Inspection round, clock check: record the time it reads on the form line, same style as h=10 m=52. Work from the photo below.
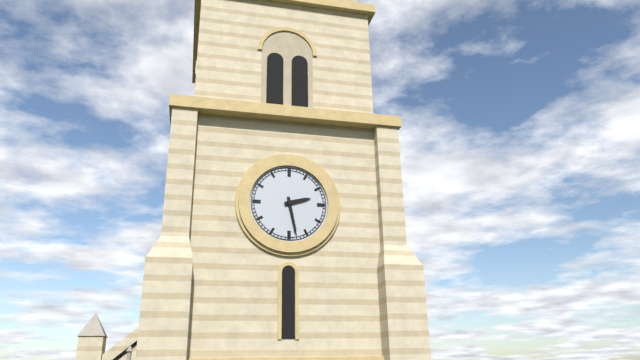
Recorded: h=2 m=28
